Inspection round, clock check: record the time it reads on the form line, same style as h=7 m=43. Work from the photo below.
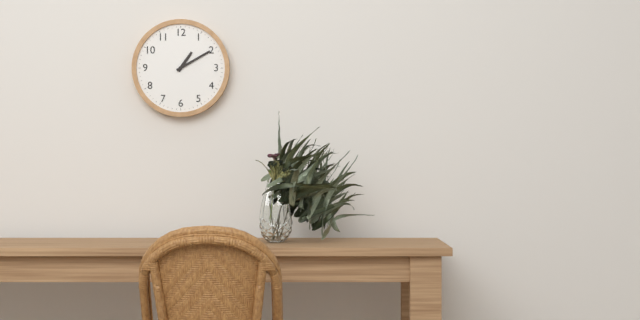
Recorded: h=1 m=10
